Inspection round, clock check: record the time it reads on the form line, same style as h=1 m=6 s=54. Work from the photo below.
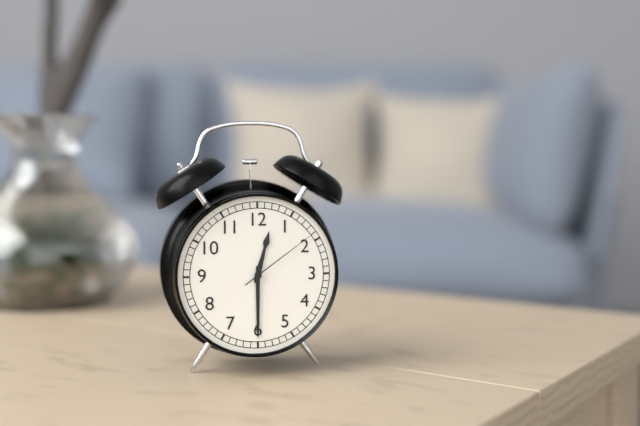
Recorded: h=12 m=30 s=9
